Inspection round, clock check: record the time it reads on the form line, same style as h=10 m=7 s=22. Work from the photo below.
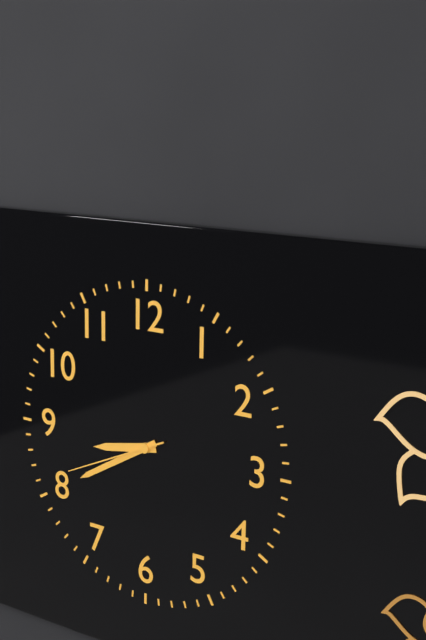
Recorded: h=8 m=40 s=41
